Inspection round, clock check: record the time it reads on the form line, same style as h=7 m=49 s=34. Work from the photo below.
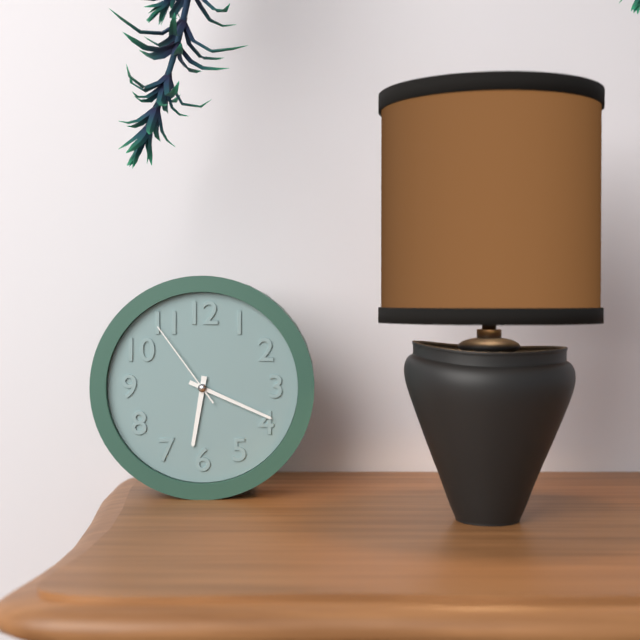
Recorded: h=6 m=19 s=54
